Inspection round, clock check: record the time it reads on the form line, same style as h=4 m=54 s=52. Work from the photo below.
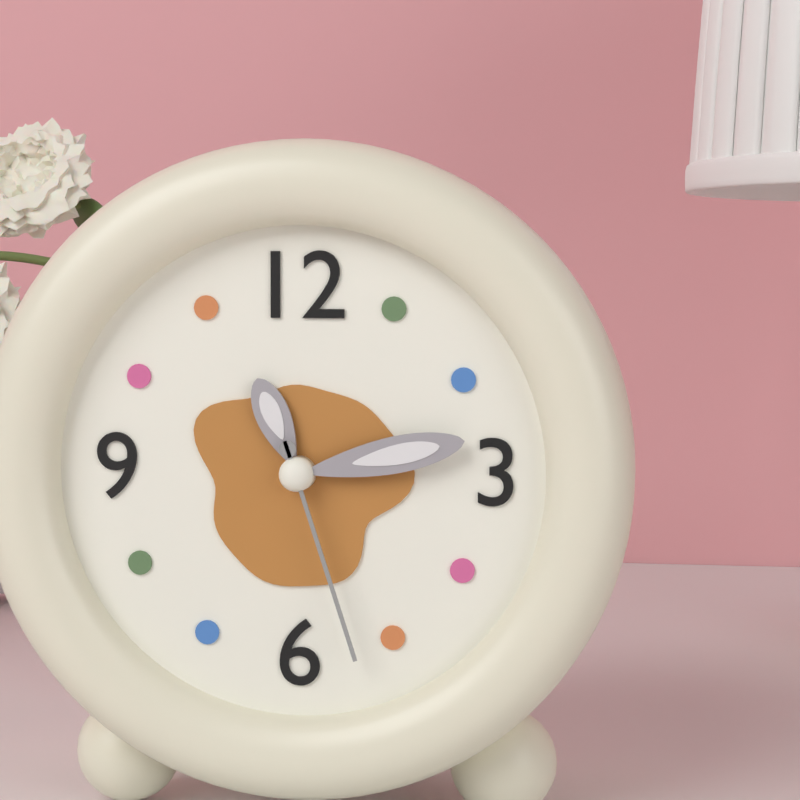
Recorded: h=11 m=13 s=27
